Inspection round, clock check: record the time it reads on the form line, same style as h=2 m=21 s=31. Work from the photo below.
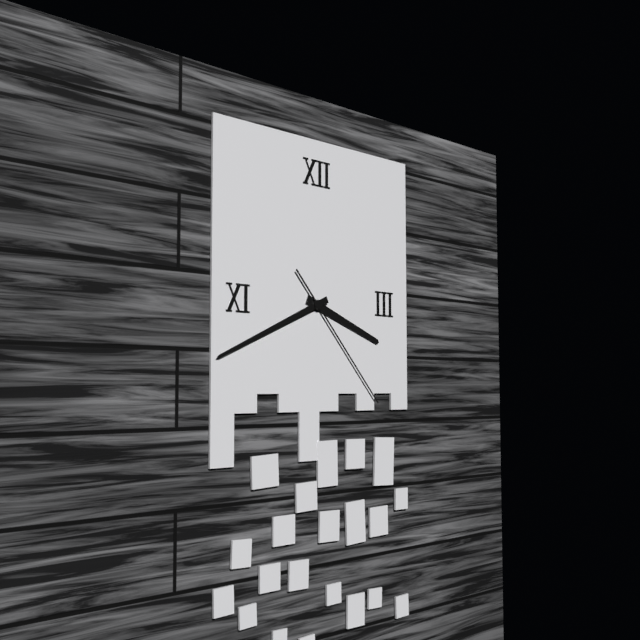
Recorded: h=3 m=41 s=23
